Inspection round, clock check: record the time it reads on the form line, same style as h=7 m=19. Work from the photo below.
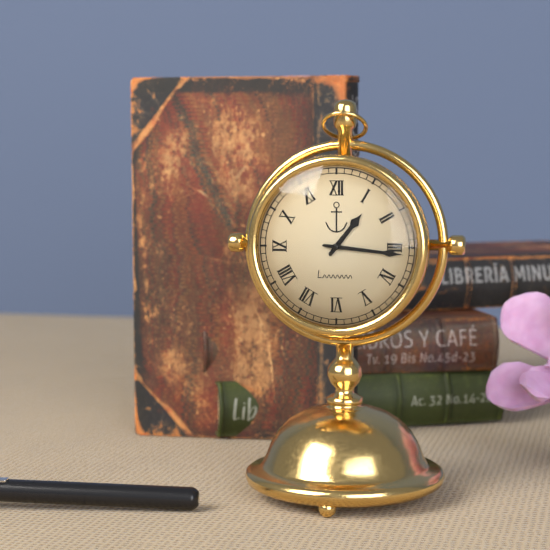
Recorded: h=1 m=16
